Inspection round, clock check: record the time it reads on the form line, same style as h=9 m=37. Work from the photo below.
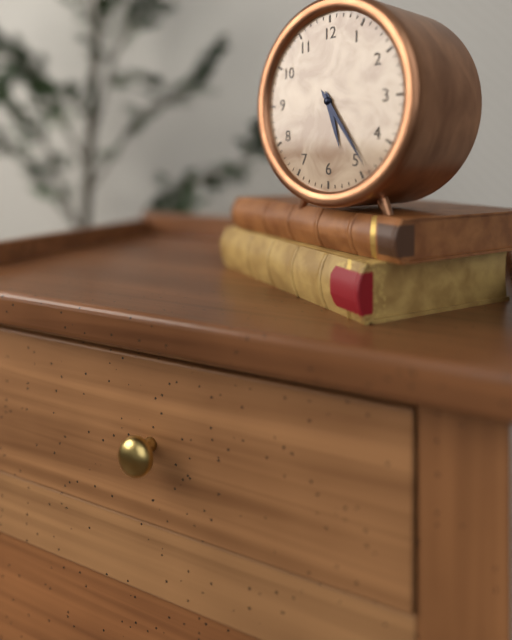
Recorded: h=5 m=24
